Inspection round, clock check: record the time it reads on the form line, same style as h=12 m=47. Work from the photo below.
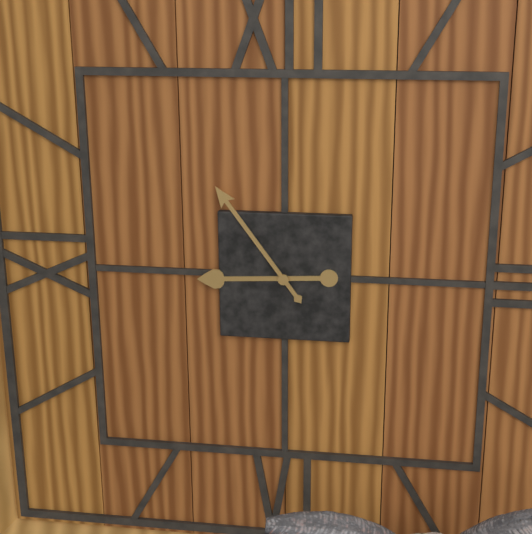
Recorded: h=8 m=54
